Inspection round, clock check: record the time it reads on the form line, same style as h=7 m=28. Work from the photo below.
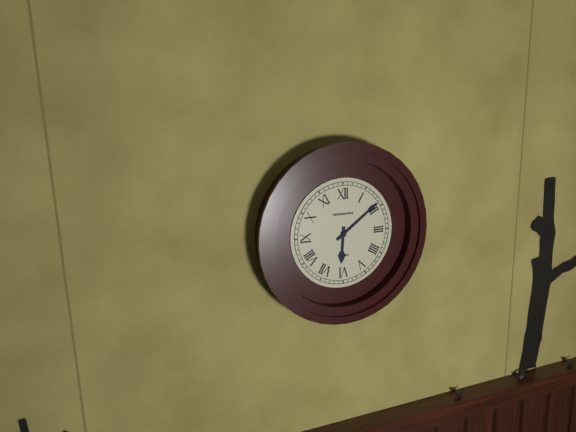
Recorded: h=6 m=9
